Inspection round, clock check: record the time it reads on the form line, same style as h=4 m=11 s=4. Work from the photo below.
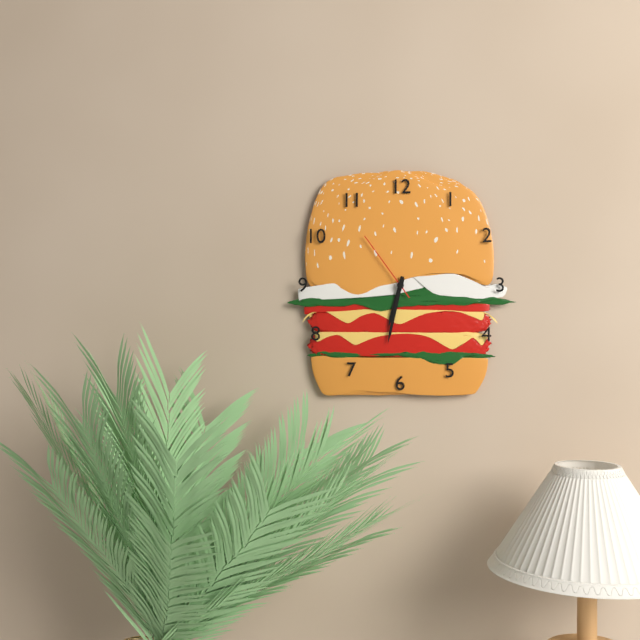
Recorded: h=6 m=32 s=54
